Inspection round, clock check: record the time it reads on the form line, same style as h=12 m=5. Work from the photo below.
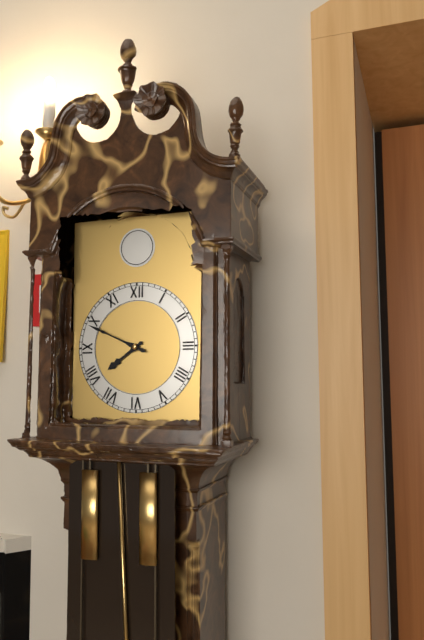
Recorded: h=7 m=49
